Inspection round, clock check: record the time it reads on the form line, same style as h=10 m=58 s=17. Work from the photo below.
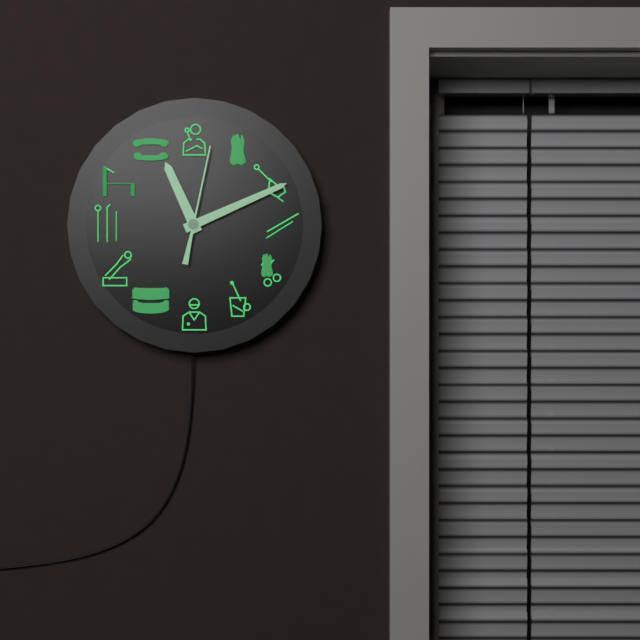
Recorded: h=11 m=11 s=2
